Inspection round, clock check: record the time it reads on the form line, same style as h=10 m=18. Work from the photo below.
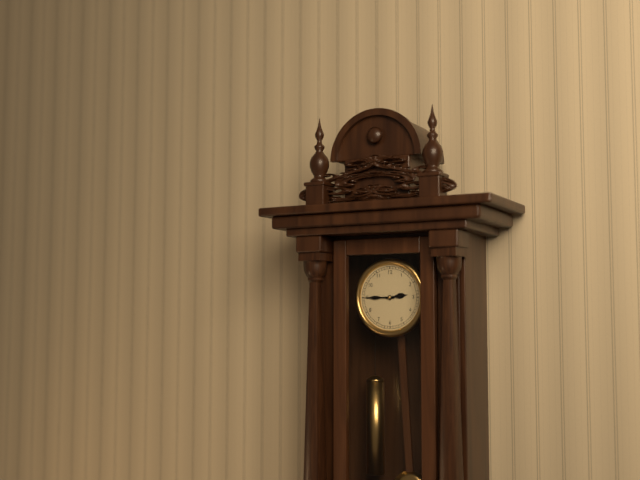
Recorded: h=2 m=45
